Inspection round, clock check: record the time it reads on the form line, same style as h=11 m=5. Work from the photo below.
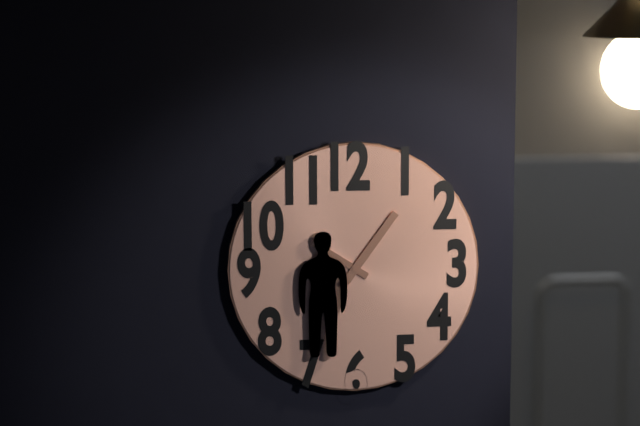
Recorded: h=10 m=6
